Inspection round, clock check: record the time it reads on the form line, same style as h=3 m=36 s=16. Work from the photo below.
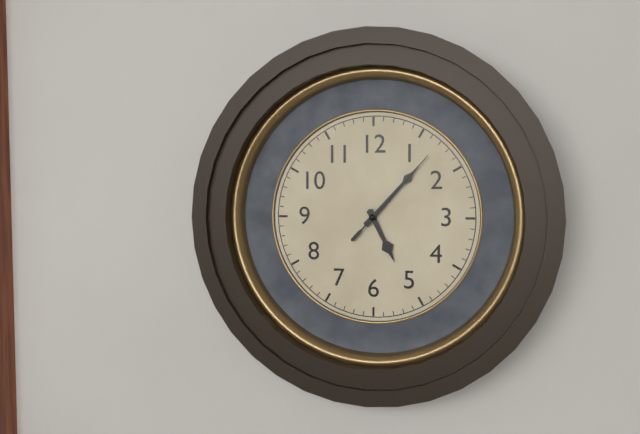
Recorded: h=5 m=7 s=7
